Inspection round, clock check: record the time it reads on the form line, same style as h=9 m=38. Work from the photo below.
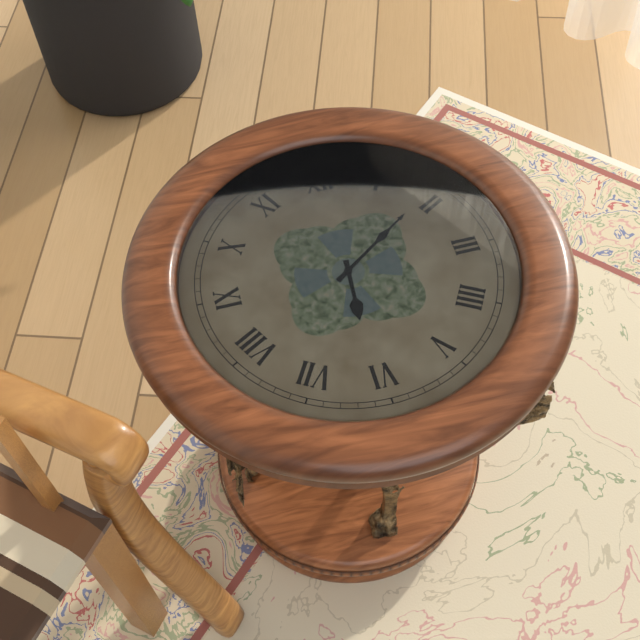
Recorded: h=6 m=9
